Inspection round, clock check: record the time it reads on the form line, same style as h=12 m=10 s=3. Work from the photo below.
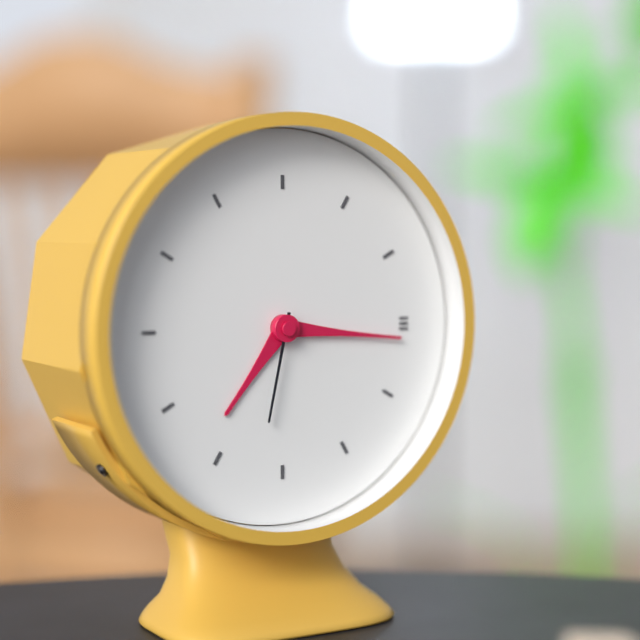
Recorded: h=7 m=16 s=32
